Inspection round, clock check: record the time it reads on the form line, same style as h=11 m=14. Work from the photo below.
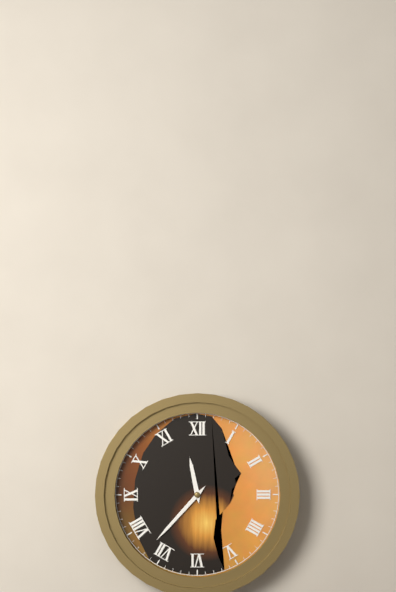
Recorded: h=11 m=37
